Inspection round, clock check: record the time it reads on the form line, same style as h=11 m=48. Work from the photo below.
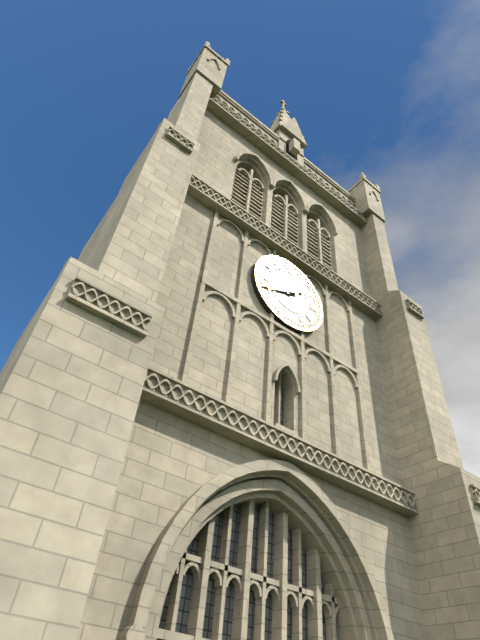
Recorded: h=1 m=41
